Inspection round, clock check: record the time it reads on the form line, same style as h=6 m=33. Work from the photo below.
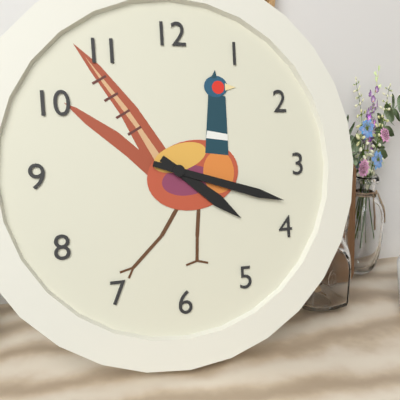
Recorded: h=4 m=18
